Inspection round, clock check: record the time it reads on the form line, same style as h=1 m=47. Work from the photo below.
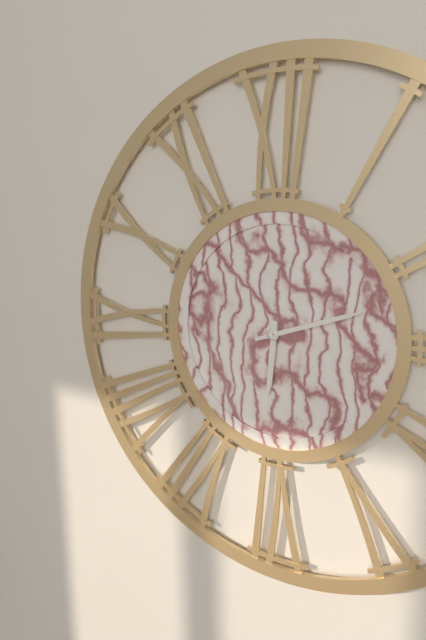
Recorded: h=6 m=12
